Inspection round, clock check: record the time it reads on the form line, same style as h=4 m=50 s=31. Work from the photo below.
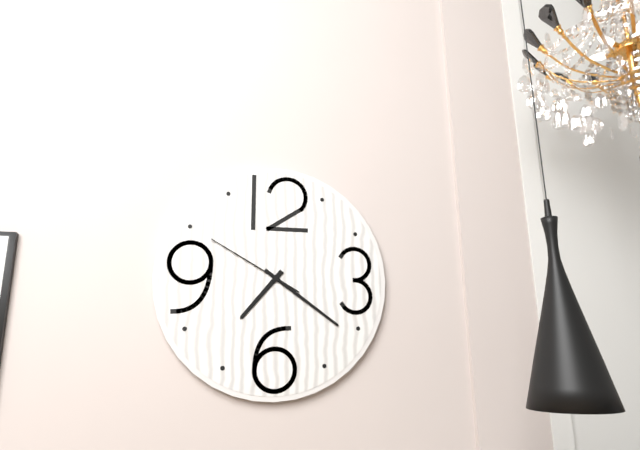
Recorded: h=7 m=21 s=50
